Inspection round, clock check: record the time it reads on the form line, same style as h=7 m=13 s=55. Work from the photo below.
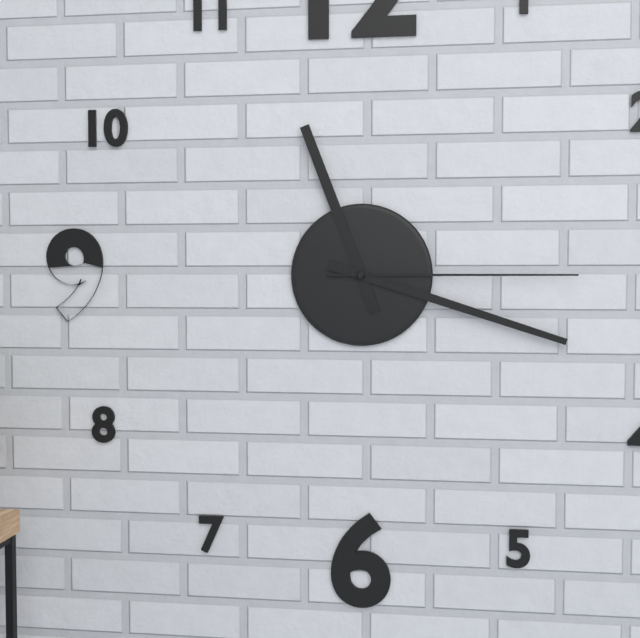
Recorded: h=11 m=18 s=15
